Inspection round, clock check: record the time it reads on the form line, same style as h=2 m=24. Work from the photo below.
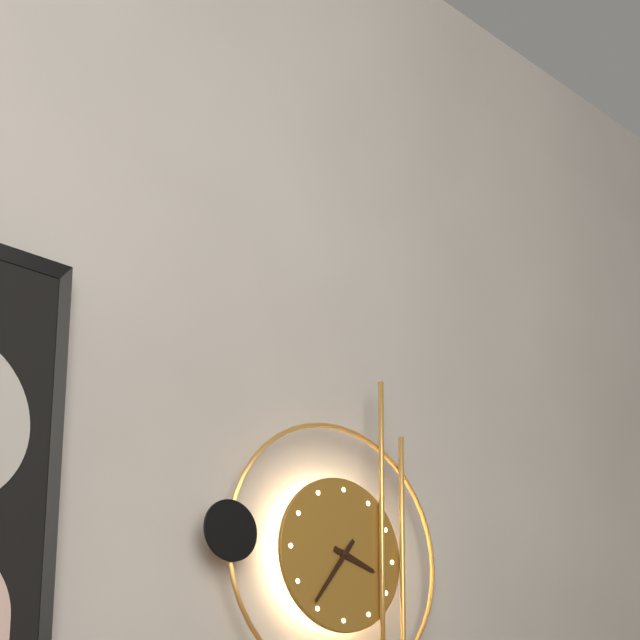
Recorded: h=3 m=36
